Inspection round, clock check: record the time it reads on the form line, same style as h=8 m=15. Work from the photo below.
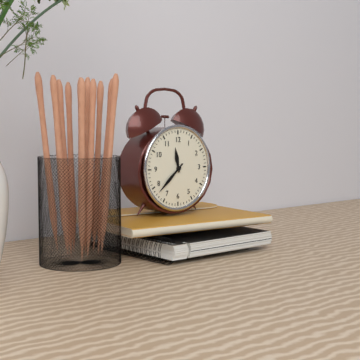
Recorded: h=11 m=38
